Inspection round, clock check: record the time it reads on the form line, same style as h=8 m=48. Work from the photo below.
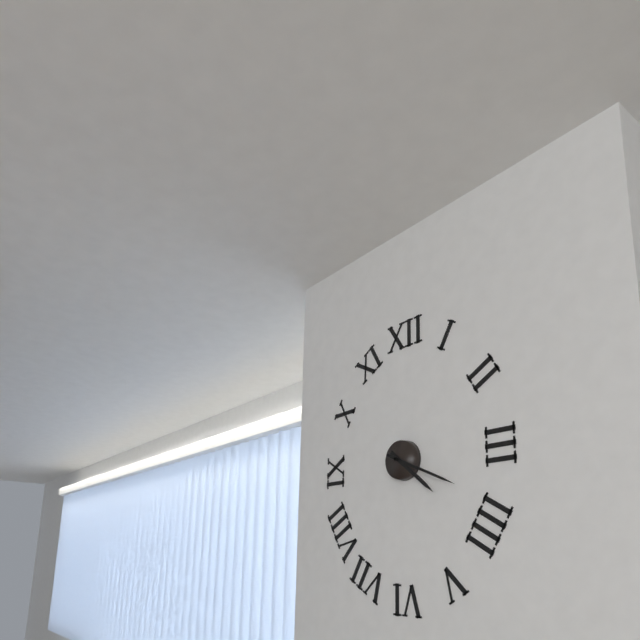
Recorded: h=4 m=19
